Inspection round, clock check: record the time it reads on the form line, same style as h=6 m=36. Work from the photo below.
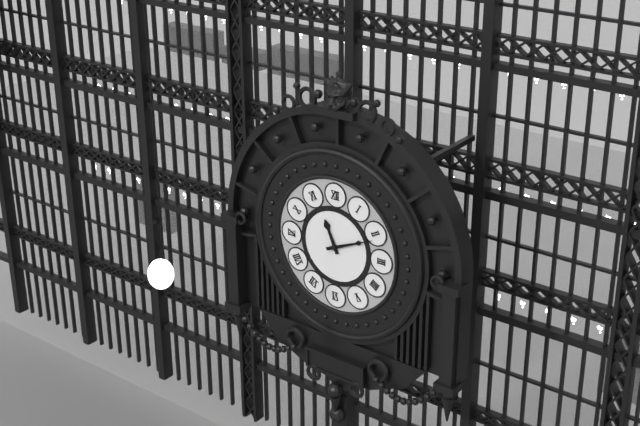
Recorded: h=11 m=11
